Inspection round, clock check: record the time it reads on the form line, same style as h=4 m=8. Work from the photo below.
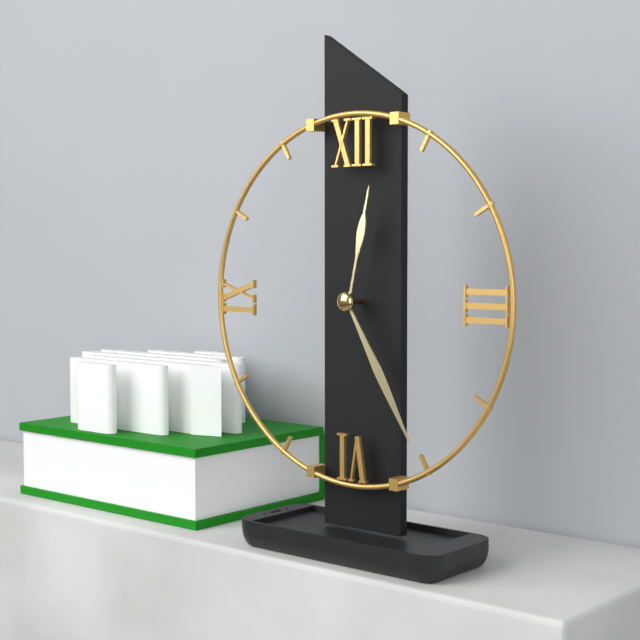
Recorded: h=12 m=25
